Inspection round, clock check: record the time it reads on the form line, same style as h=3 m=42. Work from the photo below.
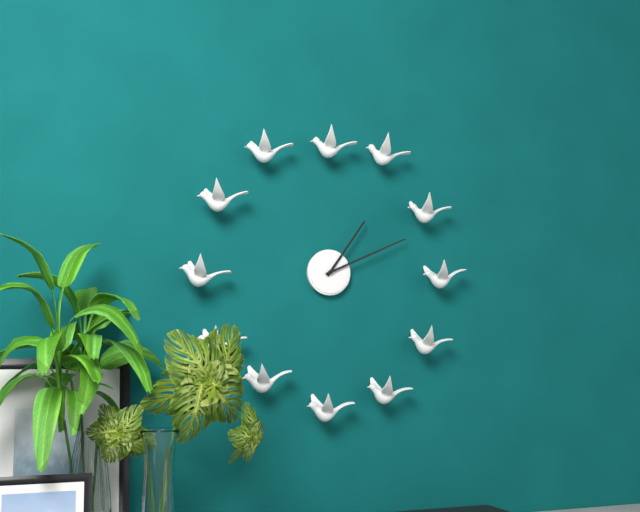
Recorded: h=1 m=11
